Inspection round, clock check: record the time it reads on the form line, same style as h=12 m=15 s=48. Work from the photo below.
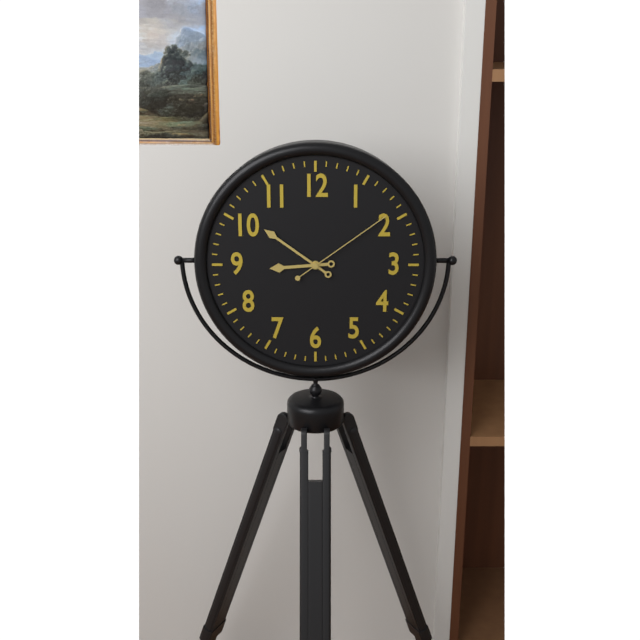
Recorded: h=8 m=51 s=9
